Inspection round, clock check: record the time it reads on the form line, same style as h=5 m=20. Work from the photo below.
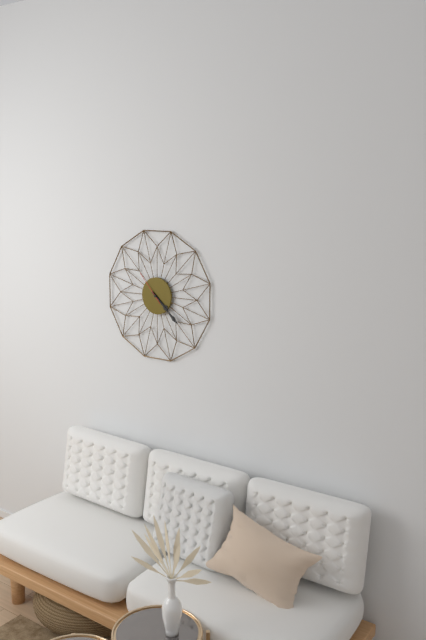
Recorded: h=4 m=22
